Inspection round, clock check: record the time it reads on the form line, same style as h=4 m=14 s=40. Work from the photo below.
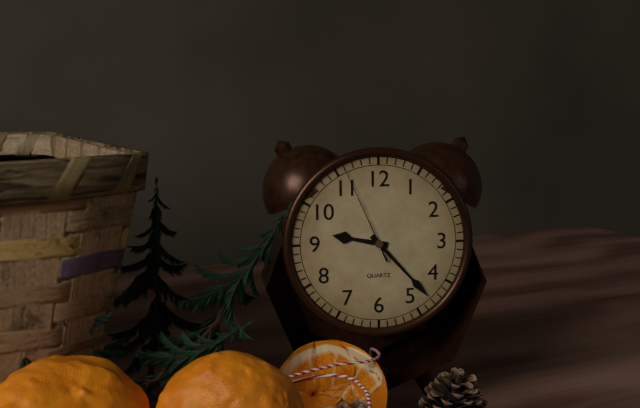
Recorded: h=9 m=23 s=56
